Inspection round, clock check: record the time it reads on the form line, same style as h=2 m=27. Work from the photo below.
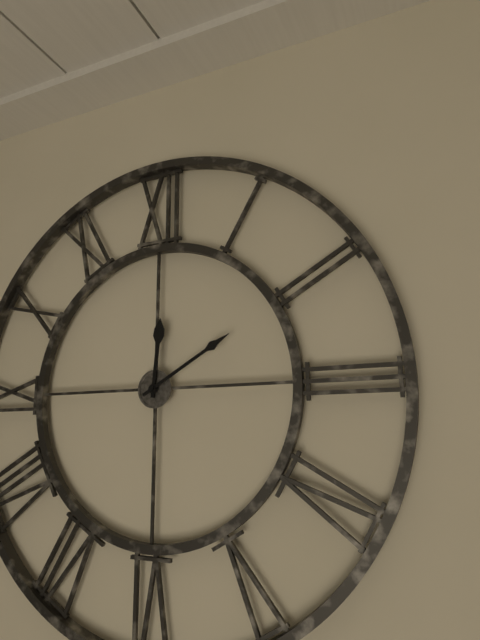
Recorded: h=12 m=10
